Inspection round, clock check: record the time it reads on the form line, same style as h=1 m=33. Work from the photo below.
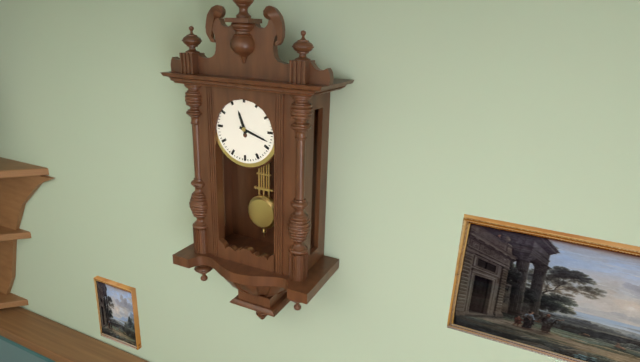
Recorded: h=11 m=18
